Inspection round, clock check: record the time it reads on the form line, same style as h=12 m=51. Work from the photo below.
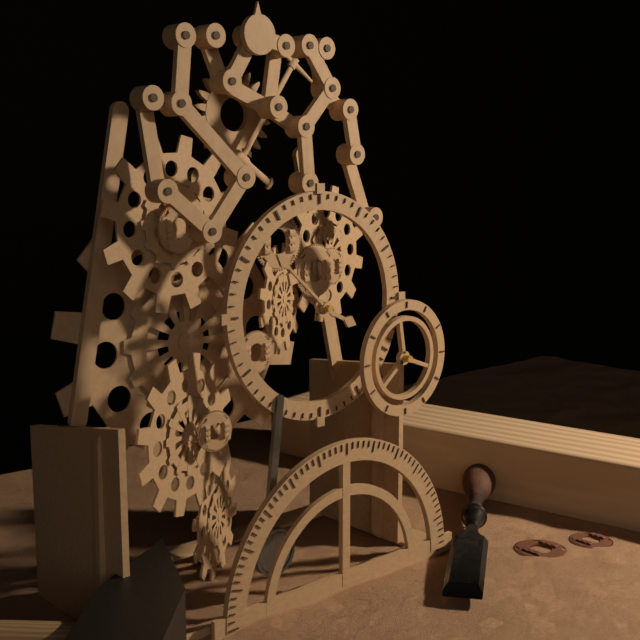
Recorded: h=3 m=52
